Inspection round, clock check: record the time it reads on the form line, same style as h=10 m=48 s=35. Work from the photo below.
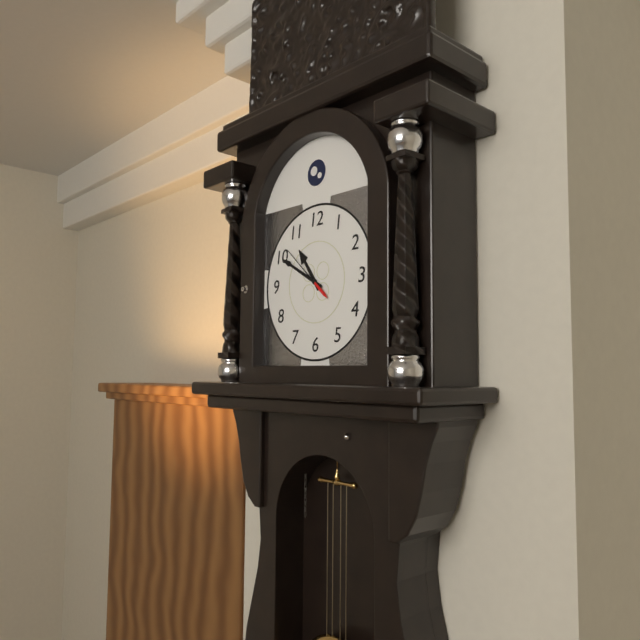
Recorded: h=10 m=50 s=52
